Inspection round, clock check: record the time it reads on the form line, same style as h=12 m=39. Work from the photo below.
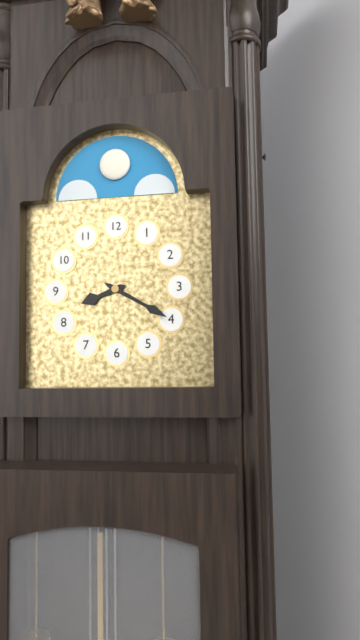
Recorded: h=8 m=20
